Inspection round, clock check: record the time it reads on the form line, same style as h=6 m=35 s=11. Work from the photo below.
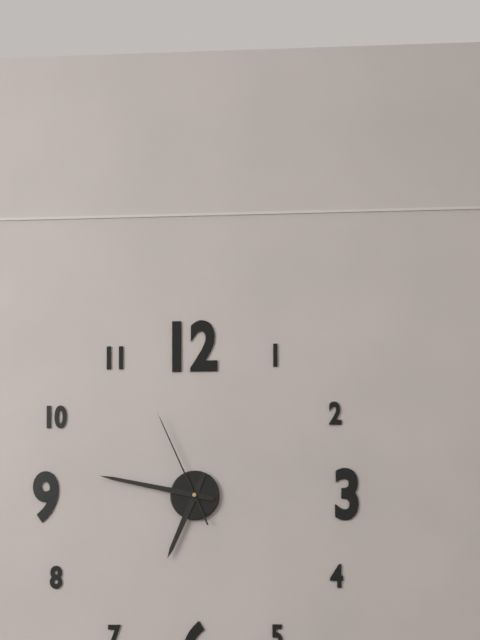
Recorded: h=6 m=47 s=56
